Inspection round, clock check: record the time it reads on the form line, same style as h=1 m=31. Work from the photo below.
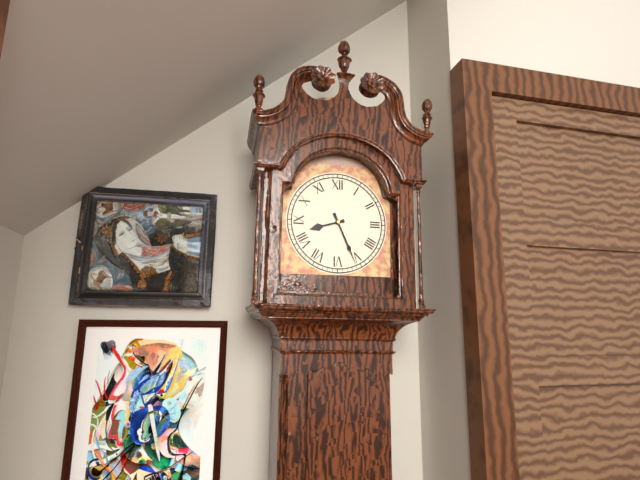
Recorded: h=8 m=26
